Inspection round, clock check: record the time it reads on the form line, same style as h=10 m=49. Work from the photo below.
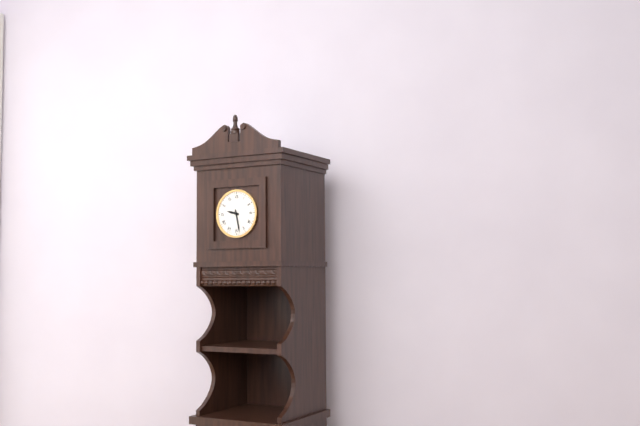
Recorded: h=9 m=28
